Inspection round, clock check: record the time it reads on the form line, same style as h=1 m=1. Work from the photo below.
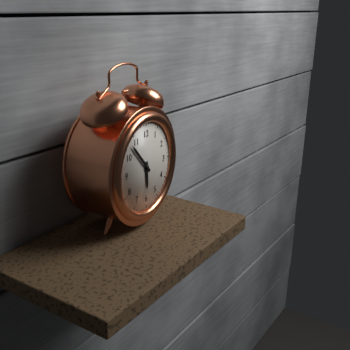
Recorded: h=5 m=53
